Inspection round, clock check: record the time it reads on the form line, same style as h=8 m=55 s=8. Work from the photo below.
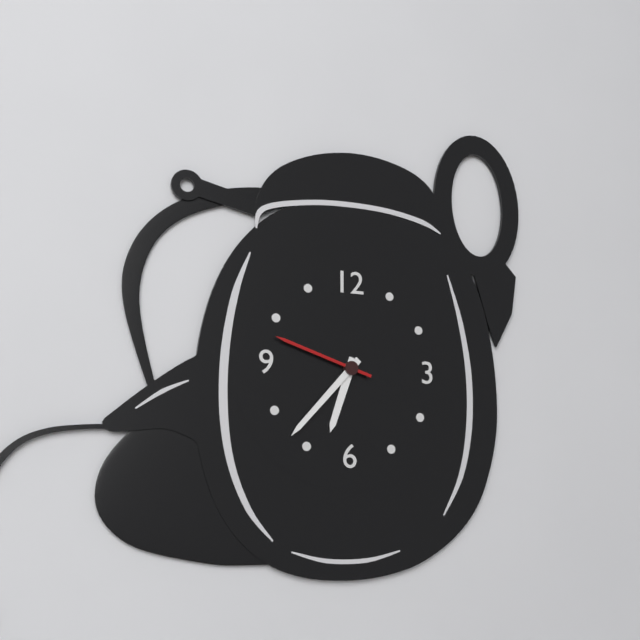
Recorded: h=6 m=37 s=48
